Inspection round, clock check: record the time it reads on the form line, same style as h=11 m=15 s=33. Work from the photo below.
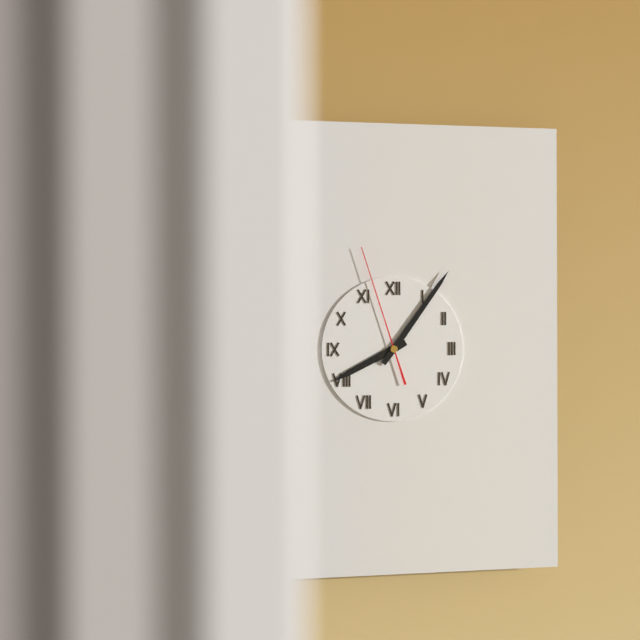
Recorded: h=8 m=6 s=57
